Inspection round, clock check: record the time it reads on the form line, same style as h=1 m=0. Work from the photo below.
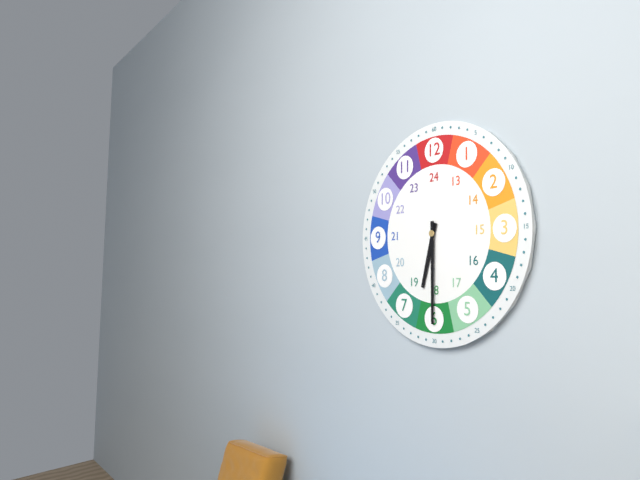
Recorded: h=6 m=30
